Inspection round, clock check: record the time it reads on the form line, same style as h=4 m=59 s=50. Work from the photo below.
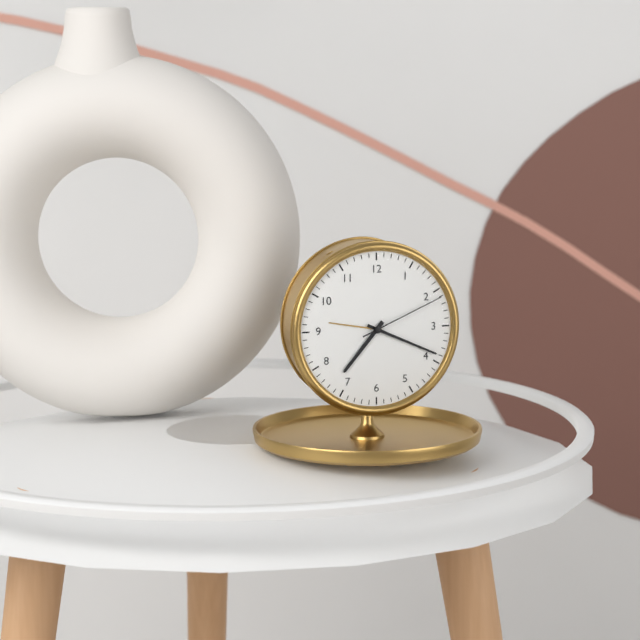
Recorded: h=7 m=19 s=11
